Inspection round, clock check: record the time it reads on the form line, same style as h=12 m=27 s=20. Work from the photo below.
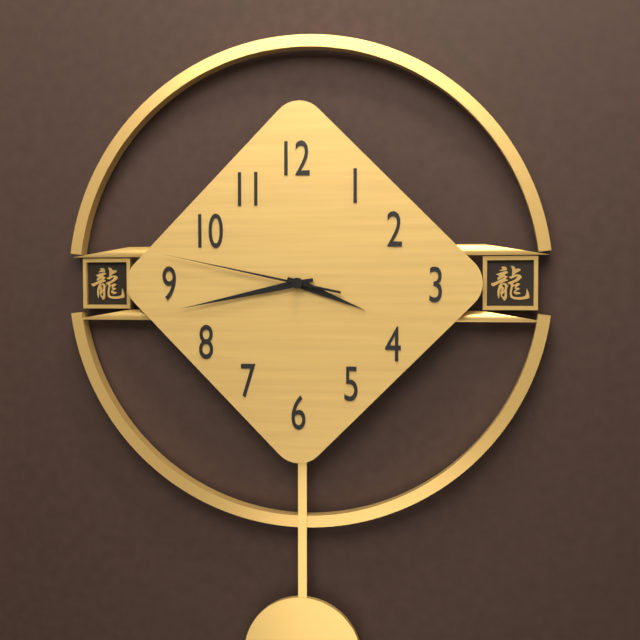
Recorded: h=3 m=43 s=47
